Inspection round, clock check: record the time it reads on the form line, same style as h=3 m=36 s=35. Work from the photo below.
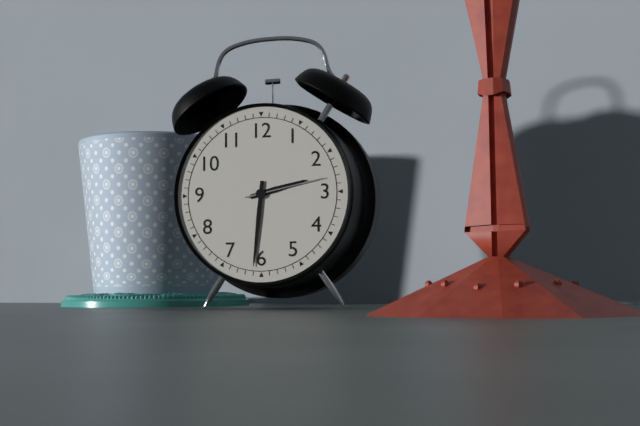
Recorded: h=2 m=31 s=13
